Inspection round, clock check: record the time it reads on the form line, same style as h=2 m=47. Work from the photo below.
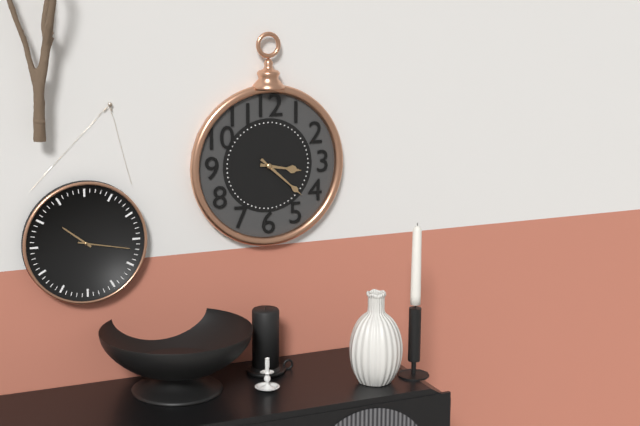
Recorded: h=3 m=22
